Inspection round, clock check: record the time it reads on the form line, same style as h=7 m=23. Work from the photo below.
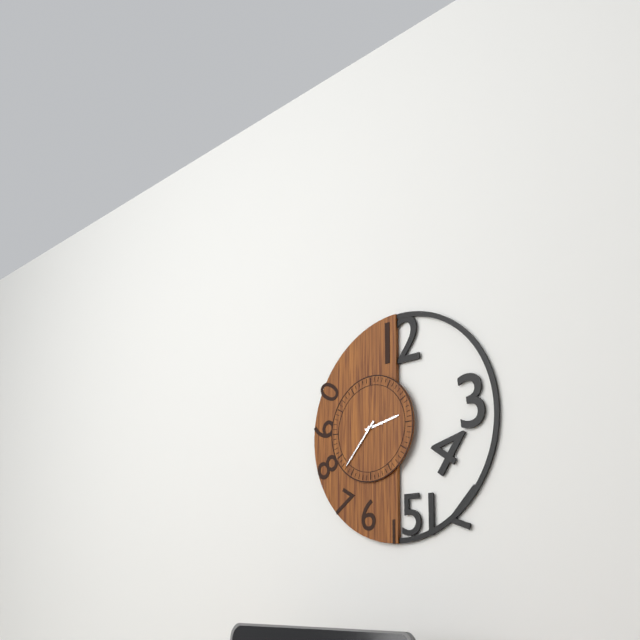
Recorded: h=2 m=37
